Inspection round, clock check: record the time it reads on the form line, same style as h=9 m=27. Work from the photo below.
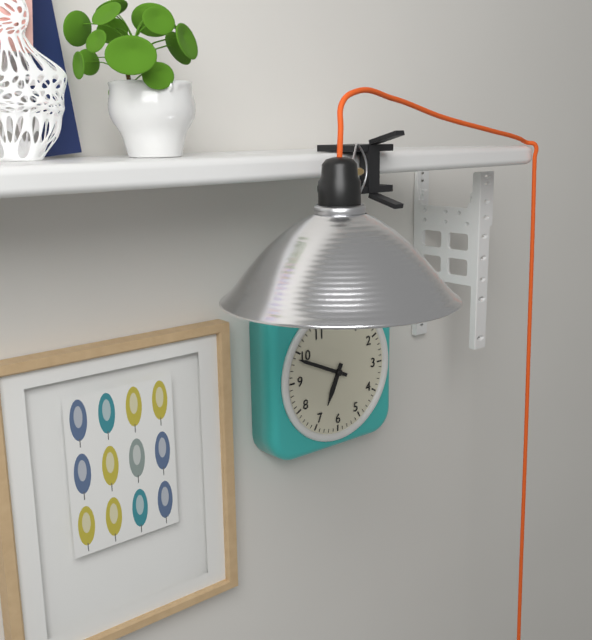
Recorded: h=6 m=49
